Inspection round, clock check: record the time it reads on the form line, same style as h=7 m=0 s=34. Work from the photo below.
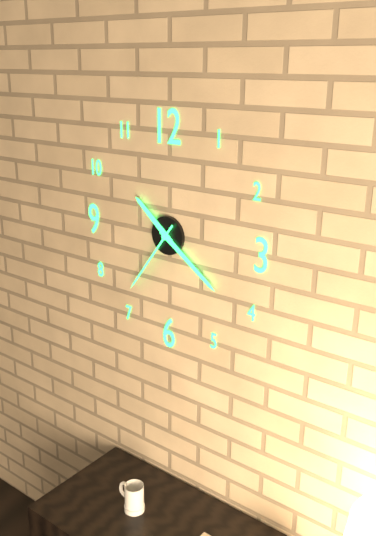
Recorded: h=10 m=21 s=36
